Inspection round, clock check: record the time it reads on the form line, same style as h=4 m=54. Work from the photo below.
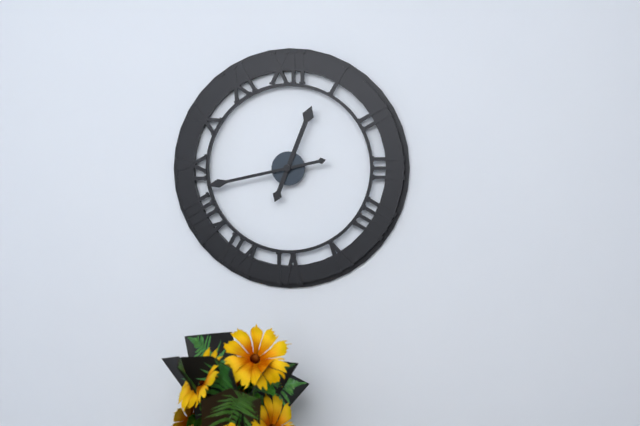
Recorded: h=12 m=43
